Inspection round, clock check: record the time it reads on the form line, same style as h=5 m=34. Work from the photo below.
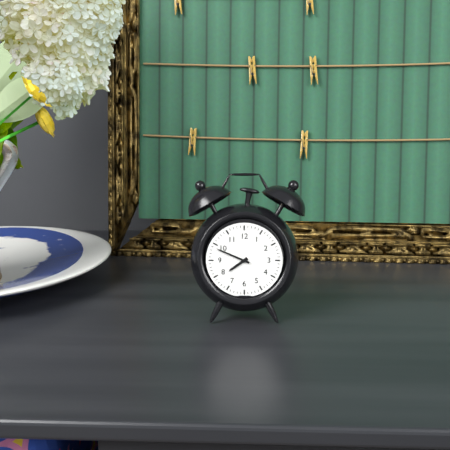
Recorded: h=7 m=49
